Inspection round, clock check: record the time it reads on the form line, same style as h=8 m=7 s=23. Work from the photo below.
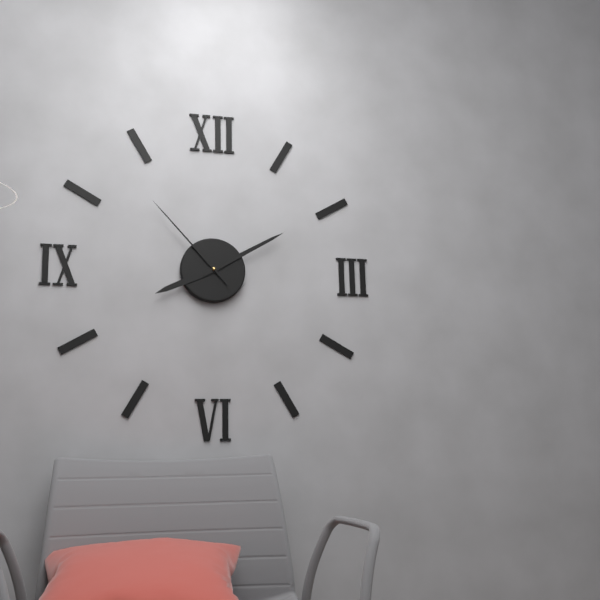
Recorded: h=8 m=10 s=53
